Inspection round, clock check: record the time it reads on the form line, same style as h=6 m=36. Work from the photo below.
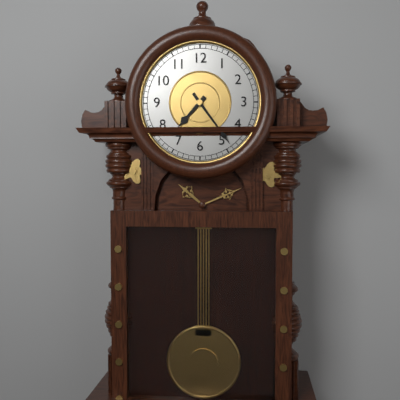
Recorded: h=7 m=24
